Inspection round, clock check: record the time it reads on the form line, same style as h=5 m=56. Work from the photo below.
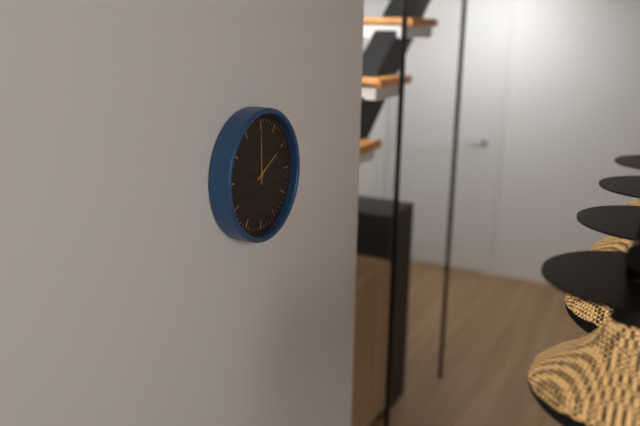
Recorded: h=2 m=0
